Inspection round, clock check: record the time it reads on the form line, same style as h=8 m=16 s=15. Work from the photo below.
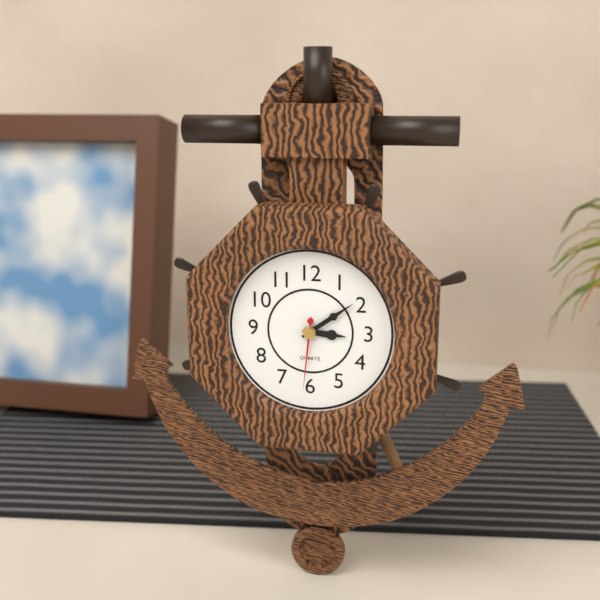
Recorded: h=3 m=9 s=31
